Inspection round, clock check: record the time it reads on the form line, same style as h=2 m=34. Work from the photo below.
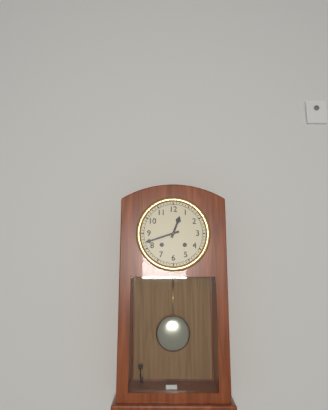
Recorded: h=12 m=42
